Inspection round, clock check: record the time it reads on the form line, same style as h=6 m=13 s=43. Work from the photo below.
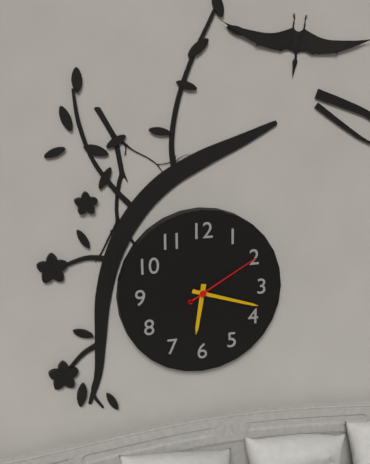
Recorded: h=6 m=18 s=10
